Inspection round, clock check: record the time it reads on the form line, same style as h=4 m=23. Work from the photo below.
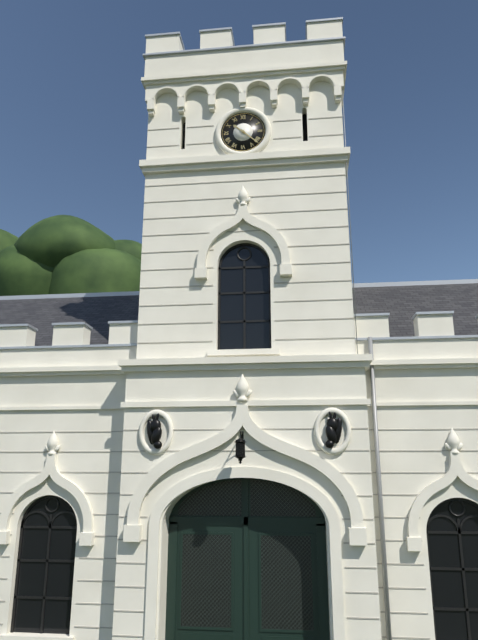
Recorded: h=10 m=22
